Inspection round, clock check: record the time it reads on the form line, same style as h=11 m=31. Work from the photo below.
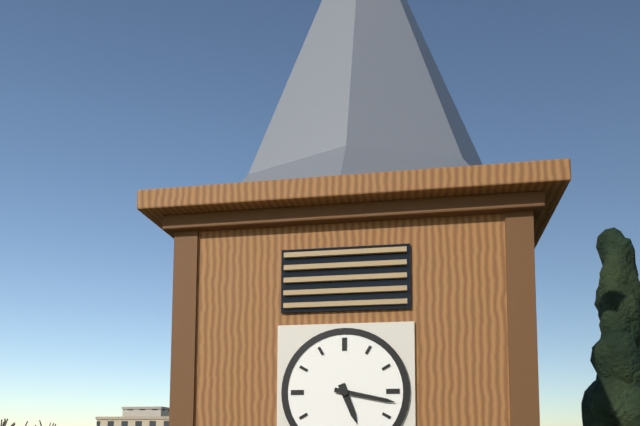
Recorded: h=5 m=17
